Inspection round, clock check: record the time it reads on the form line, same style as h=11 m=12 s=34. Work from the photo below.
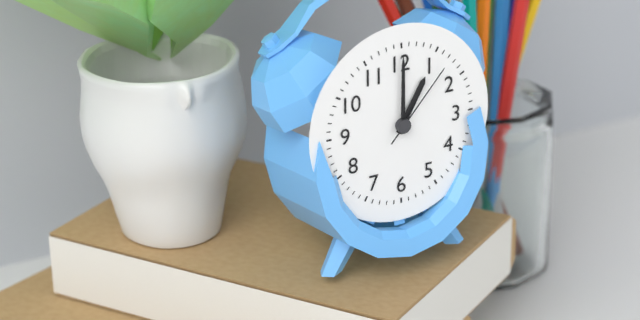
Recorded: h=1 m=0 s=7
